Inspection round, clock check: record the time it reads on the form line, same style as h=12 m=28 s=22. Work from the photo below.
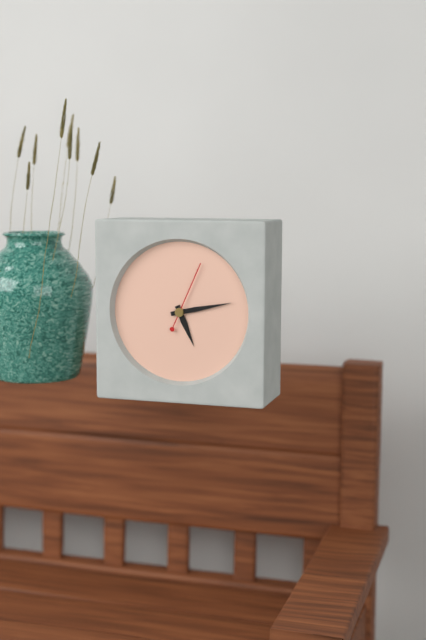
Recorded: h=5 m=13 s=4
